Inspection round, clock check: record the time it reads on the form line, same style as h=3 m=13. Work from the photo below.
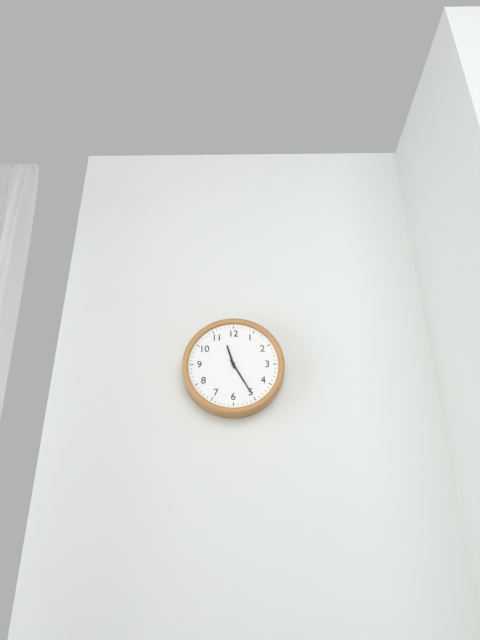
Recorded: h=11 m=25
